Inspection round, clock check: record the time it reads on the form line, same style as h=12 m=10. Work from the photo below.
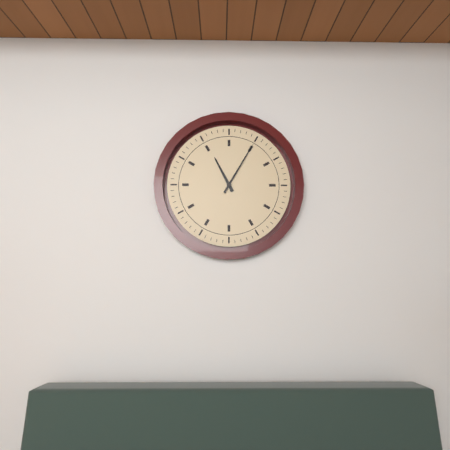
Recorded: h=11 m=5
